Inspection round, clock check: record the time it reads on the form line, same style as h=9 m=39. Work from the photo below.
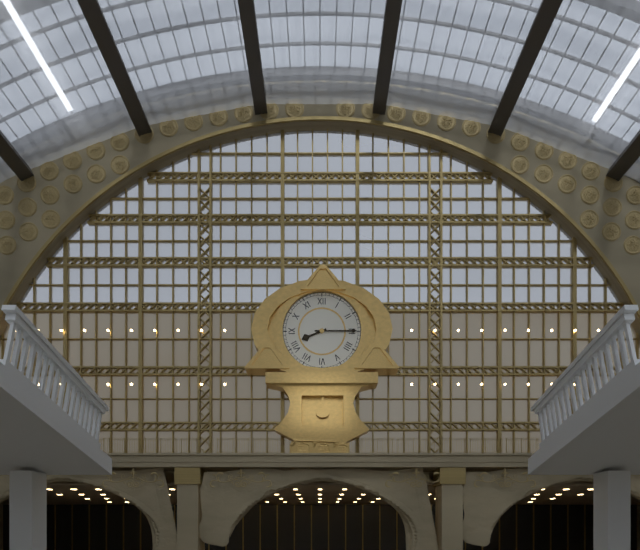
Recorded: h=8 m=15
